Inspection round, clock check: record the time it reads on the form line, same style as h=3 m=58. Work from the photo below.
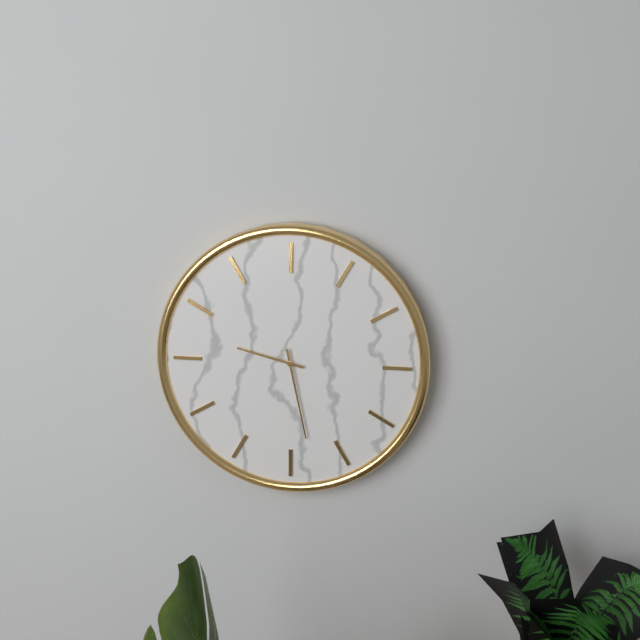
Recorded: h=9 m=28
